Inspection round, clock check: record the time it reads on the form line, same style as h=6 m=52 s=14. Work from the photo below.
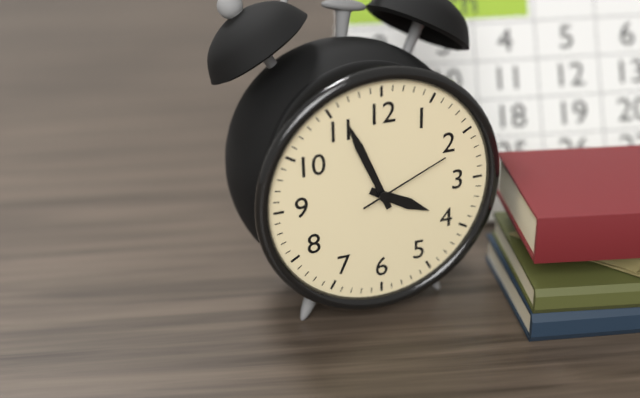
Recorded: h=3 m=56 s=11
